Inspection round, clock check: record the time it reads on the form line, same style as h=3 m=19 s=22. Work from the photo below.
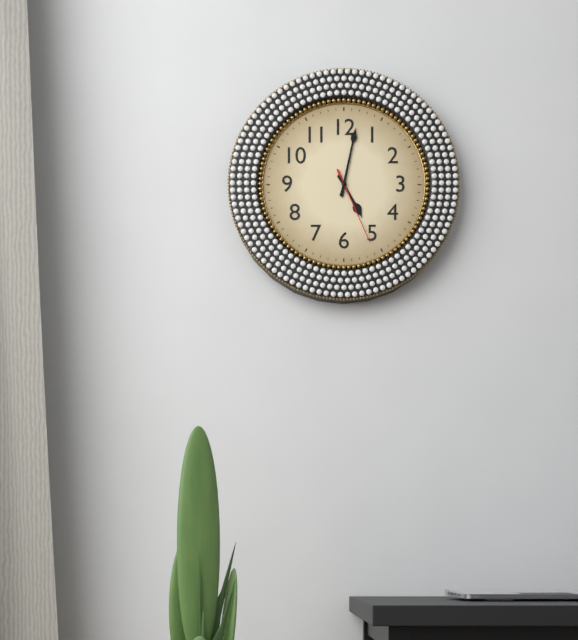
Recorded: h=5 m=2 s=26
